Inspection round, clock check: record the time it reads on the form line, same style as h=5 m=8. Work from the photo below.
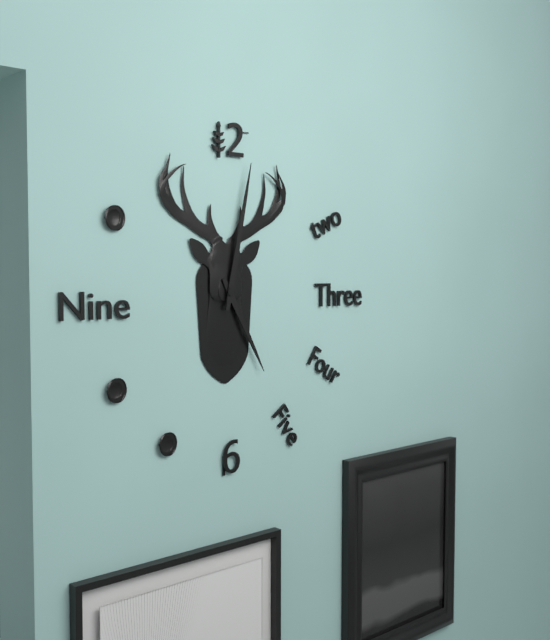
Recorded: h=5 m=2
